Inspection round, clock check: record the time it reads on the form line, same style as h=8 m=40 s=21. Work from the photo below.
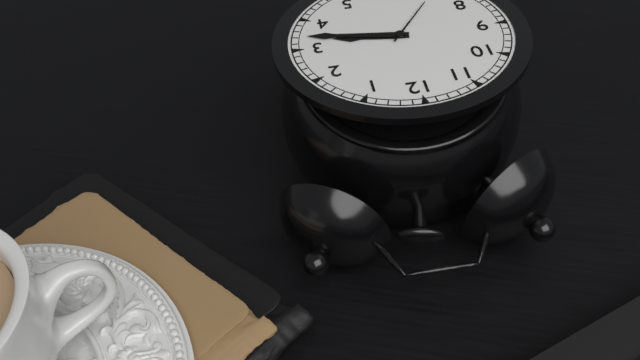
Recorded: h=3 m=17 s=36
